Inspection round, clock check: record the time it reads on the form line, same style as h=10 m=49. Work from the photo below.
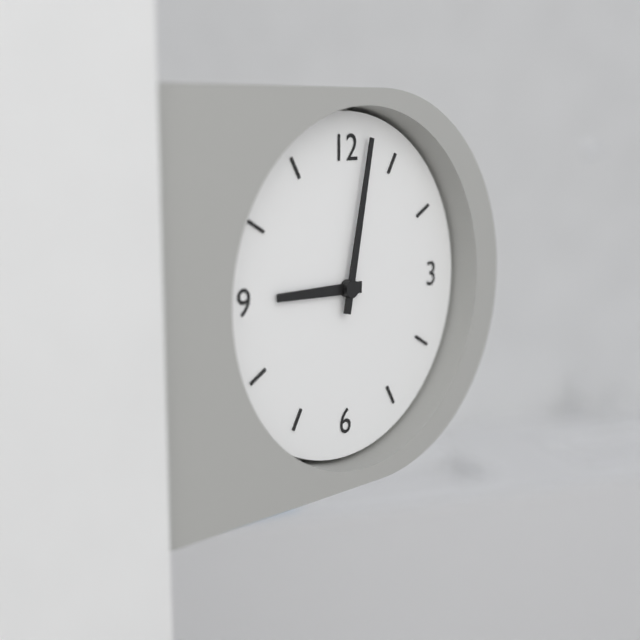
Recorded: h=9 m=2
